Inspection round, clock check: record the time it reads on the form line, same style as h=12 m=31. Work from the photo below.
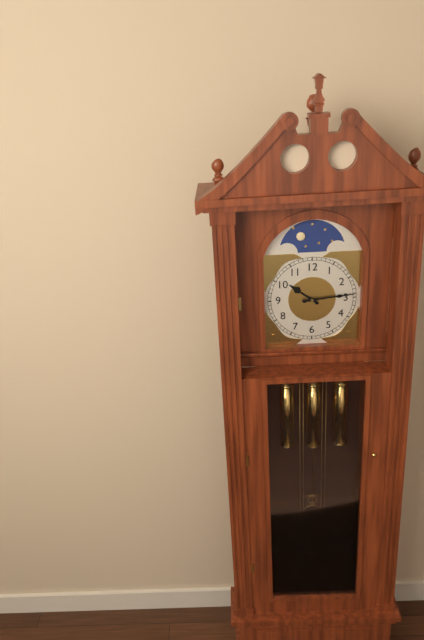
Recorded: h=10 m=14
